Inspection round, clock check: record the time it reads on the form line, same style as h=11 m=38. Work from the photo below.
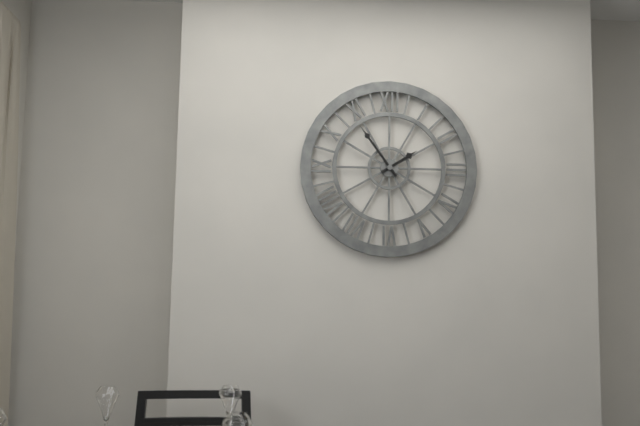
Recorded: h=1 m=54
